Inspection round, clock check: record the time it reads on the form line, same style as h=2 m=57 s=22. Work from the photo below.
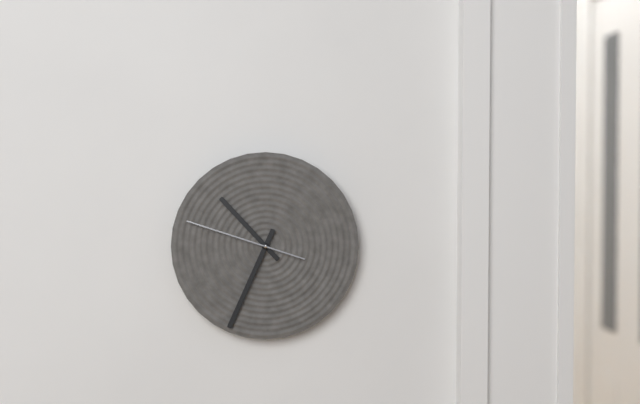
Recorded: h=10 m=34 s=48
